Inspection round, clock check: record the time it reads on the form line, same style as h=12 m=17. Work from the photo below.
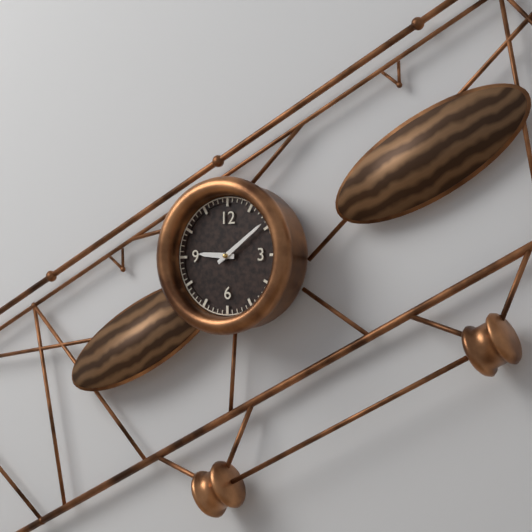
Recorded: h=9 m=9
